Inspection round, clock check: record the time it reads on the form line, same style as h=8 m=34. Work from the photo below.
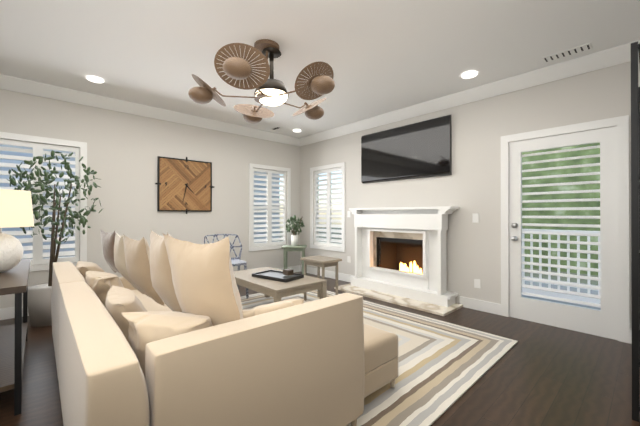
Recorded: h=4 m=32
